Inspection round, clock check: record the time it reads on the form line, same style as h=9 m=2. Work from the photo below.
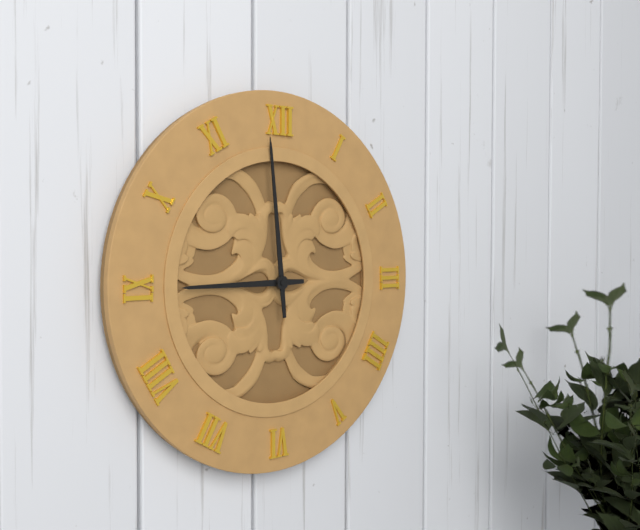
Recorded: h=8 m=59
